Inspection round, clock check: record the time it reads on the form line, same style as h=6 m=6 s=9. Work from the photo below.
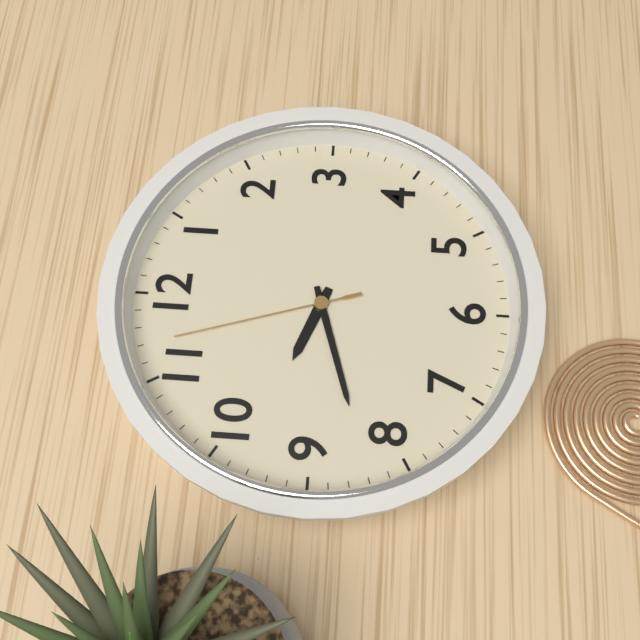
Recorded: h=9 m=42 s=57
